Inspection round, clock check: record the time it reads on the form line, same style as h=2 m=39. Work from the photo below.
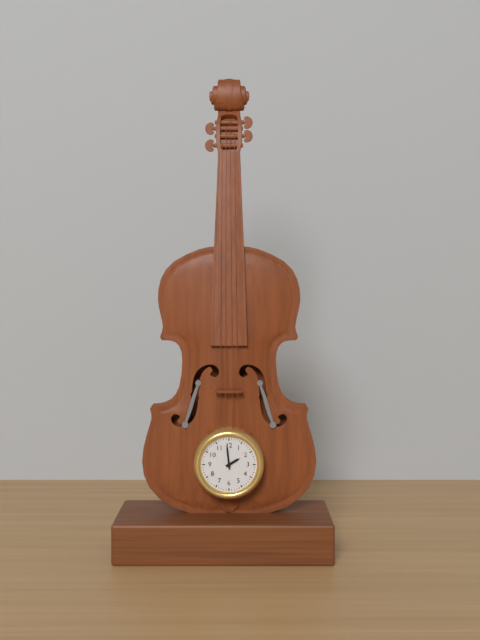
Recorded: h=1 m=59
